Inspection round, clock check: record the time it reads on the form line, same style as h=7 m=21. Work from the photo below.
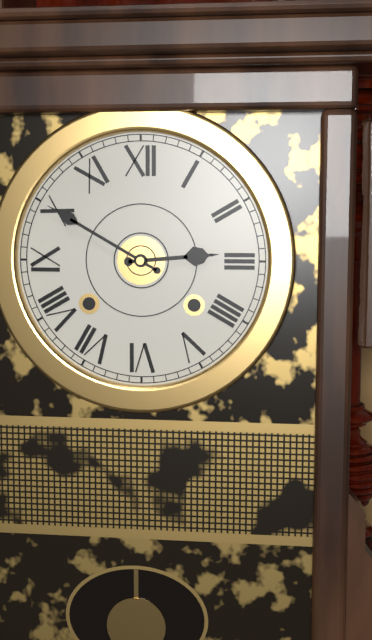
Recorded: h=2 m=50
